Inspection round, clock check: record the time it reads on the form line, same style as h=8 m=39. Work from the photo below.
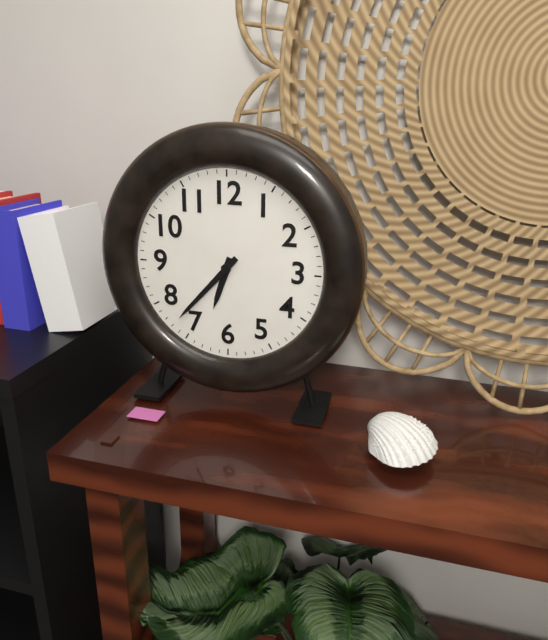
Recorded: h=6 m=37
